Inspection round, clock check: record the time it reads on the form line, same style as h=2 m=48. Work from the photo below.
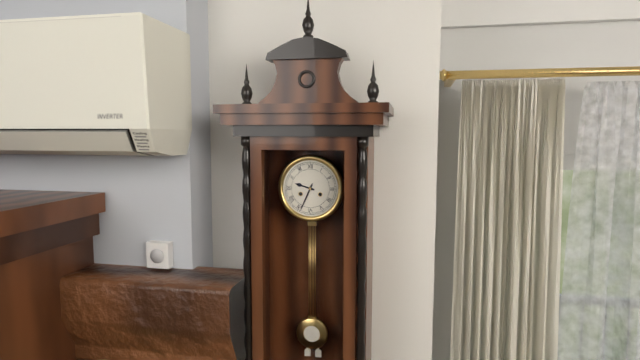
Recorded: h=9 m=34
